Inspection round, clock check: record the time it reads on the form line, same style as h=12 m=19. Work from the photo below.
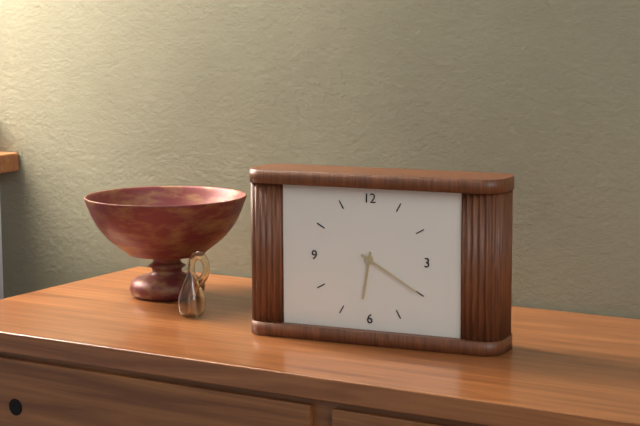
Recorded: h=6 m=20
